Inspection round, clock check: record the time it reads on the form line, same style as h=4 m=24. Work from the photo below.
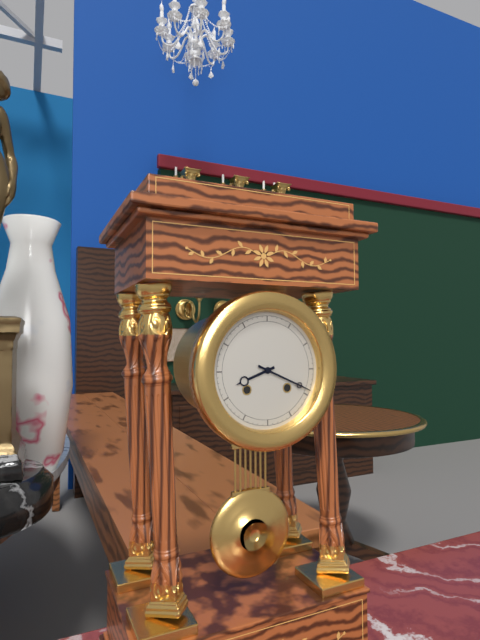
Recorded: h=8 m=19
